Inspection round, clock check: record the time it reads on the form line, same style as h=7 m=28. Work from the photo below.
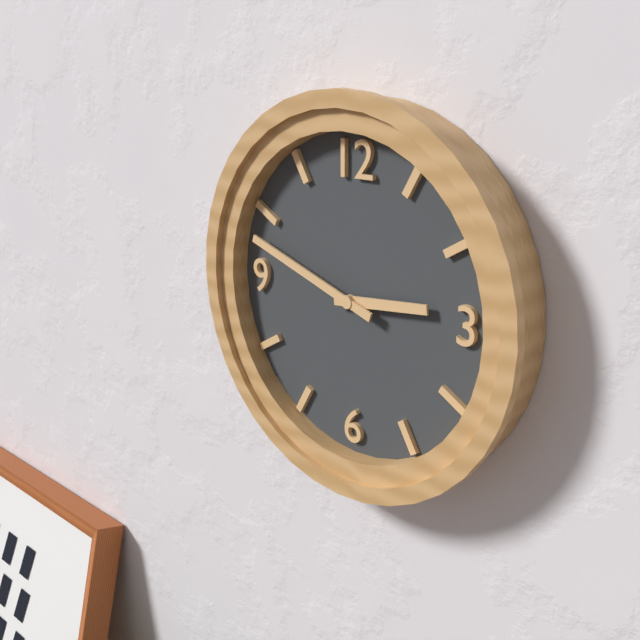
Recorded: h=2 m=48
